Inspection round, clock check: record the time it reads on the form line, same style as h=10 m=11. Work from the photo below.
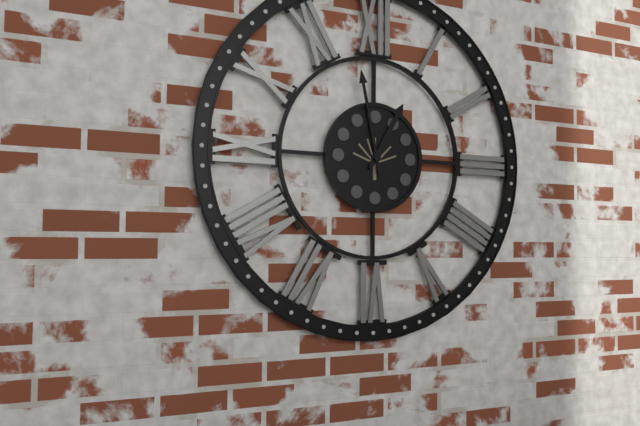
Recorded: h=12 m=58
